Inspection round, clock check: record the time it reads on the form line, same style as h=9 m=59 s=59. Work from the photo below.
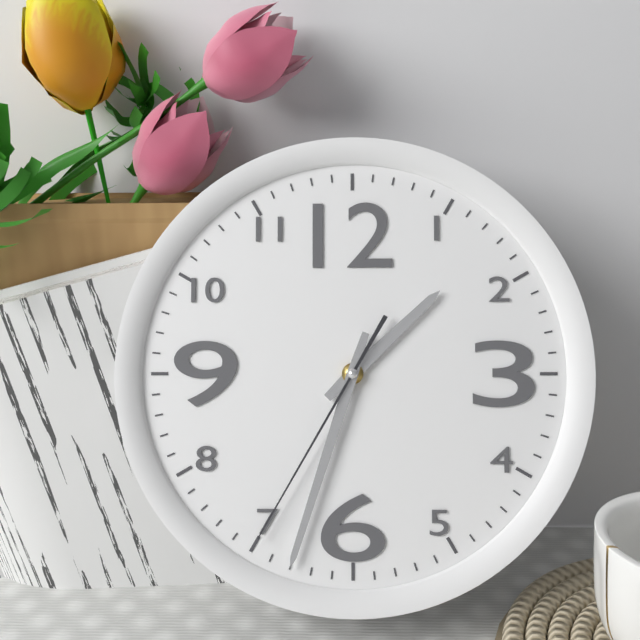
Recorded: h=1 m=33 s=35
